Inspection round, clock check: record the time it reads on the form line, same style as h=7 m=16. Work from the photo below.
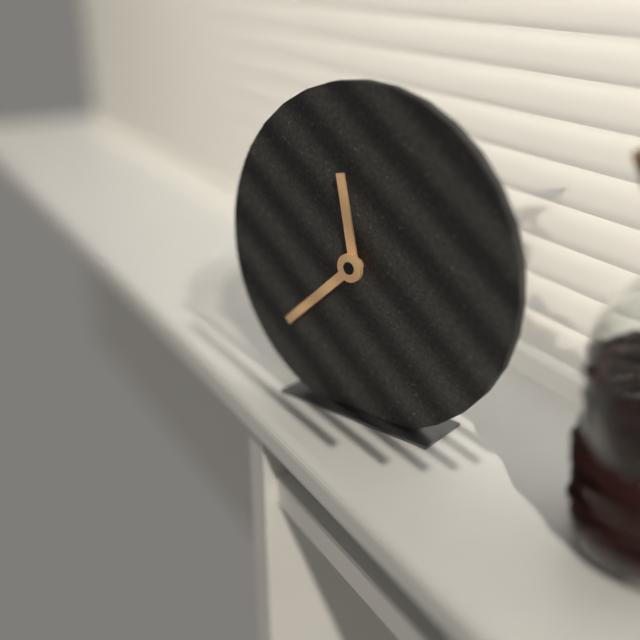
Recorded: h=11 m=38
